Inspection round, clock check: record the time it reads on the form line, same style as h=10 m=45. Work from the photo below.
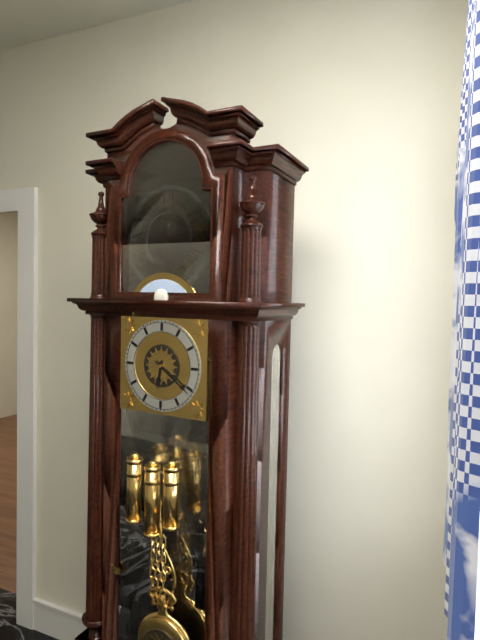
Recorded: h=6 m=21
